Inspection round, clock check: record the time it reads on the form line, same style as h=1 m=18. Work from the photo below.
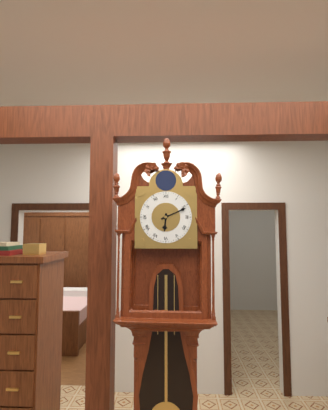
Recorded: h=6 m=11
